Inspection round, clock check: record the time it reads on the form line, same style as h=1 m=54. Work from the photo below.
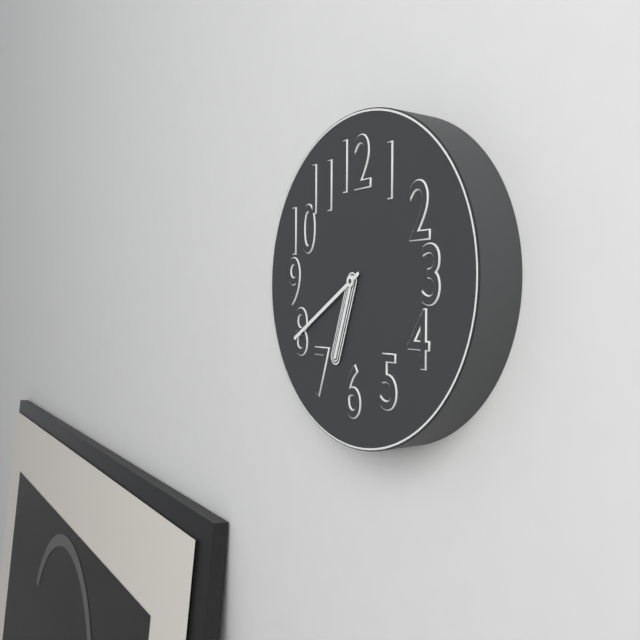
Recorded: h=6 m=40
